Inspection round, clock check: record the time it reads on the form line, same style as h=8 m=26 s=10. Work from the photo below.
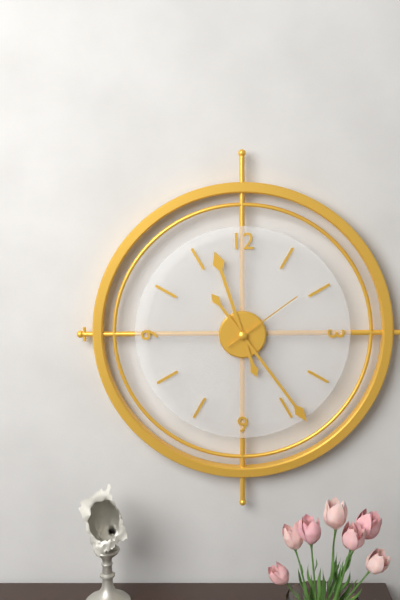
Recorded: h=11 m=24 s=9
